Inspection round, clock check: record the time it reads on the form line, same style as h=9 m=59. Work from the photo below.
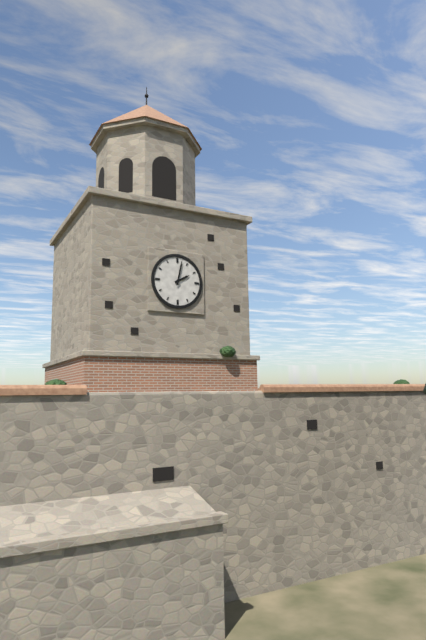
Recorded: h=2 m=2
